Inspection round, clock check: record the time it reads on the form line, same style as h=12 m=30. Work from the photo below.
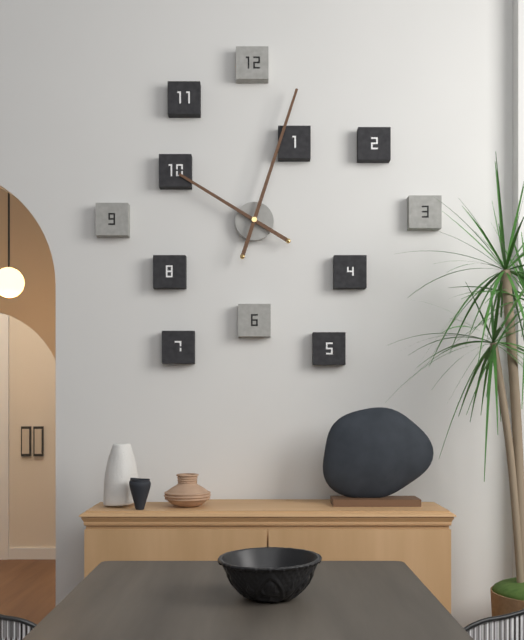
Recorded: h=10 m=3
